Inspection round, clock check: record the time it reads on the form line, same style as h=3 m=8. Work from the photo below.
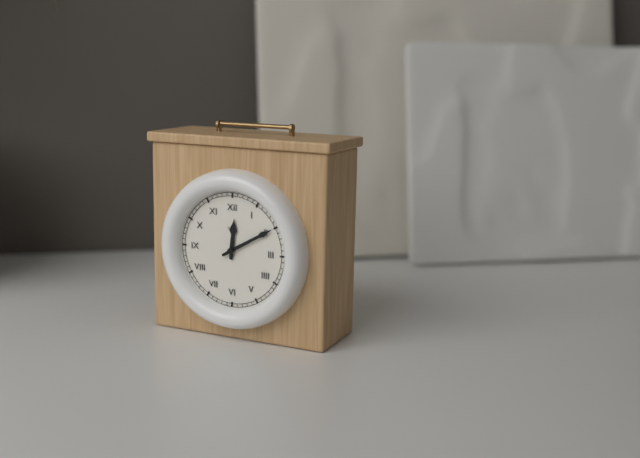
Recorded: h=12 m=10
